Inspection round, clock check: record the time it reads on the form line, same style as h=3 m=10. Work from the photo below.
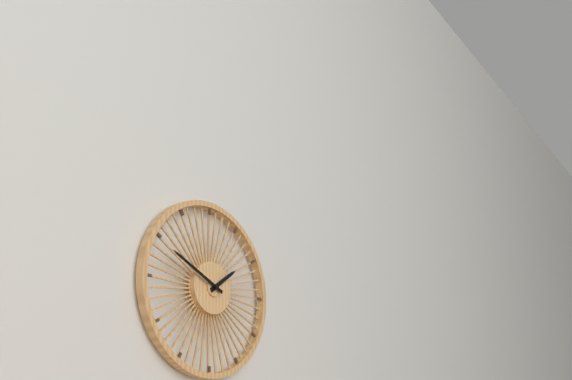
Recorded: h=1 m=49
